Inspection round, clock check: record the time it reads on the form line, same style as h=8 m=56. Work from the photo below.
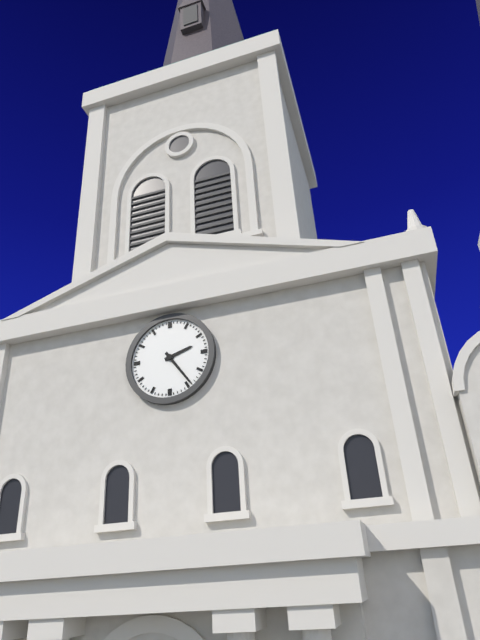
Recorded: h=2 m=24
